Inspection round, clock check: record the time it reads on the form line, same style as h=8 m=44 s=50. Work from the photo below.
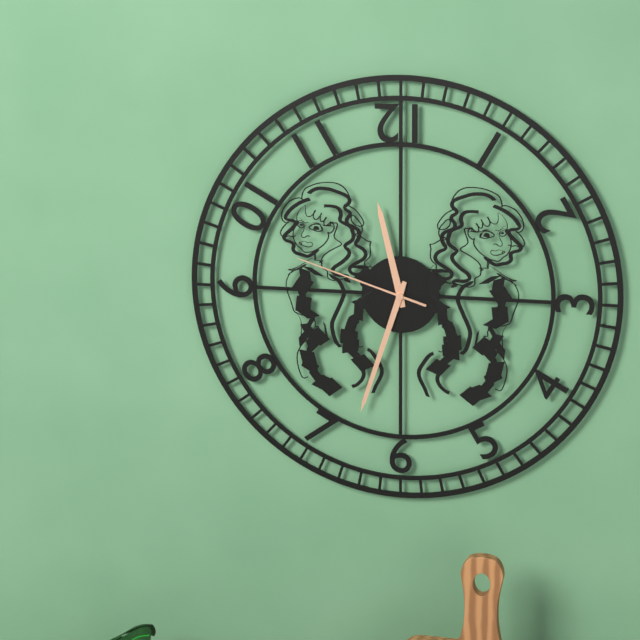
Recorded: h=11 m=33 s=48
